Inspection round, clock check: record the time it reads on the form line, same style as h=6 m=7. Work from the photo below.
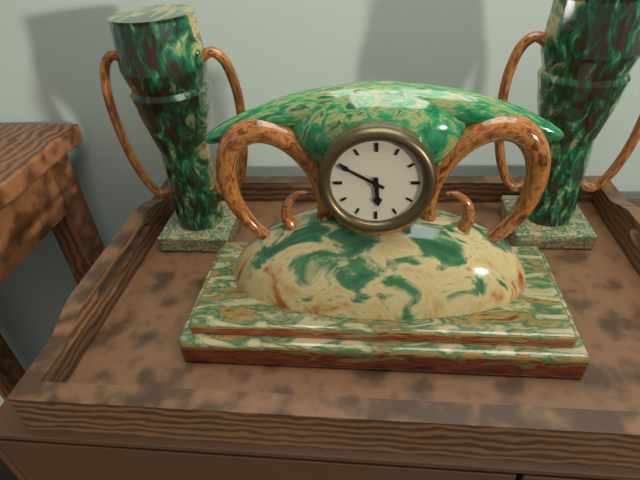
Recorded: h=5 m=50
